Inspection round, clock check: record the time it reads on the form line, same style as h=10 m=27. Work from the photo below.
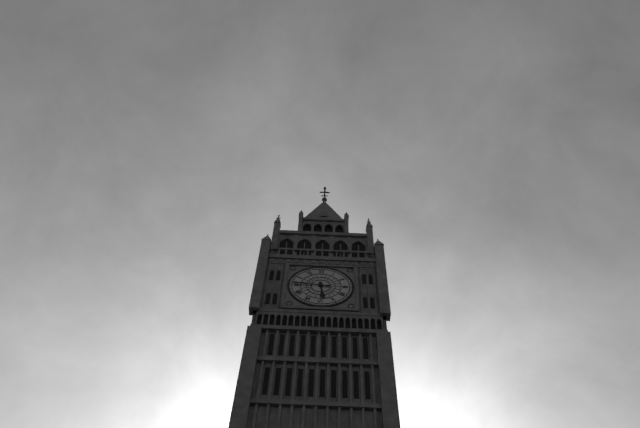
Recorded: h=5 m=46
